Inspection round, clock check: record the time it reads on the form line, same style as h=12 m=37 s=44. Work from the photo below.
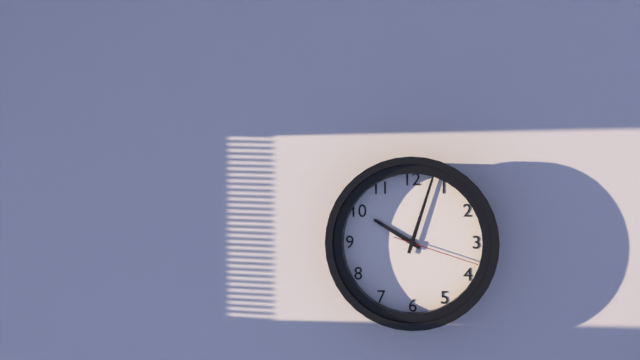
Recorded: h=10 m=3 s=18
